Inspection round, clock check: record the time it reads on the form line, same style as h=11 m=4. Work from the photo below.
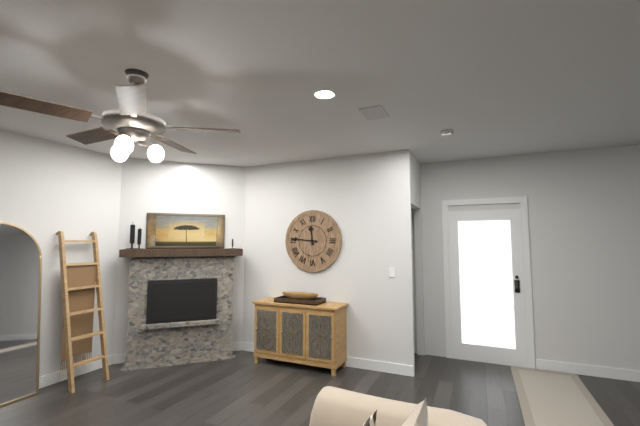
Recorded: h=11 m=46
